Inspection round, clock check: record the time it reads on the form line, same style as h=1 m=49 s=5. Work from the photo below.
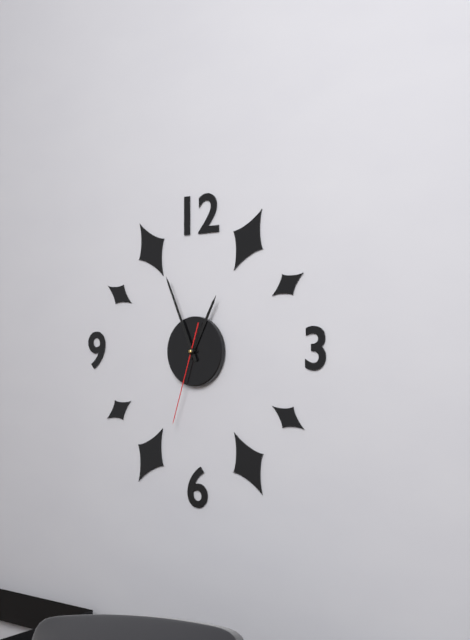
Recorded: h=12 m=56 s=33
